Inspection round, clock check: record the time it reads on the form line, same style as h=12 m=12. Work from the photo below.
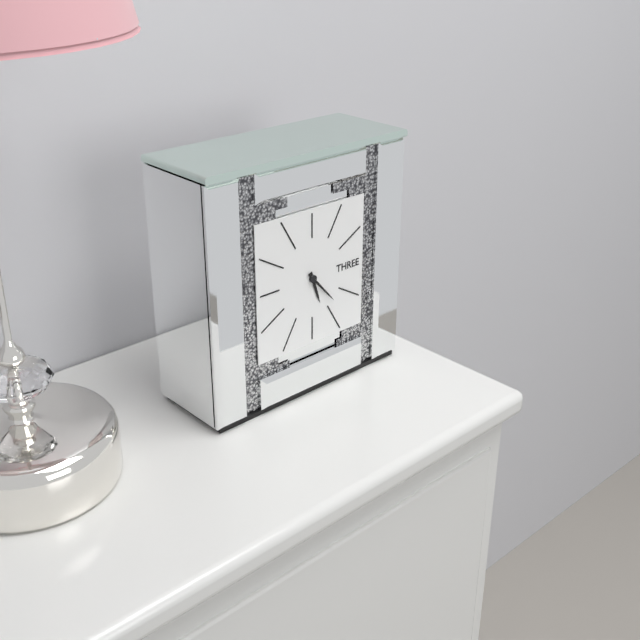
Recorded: h=5 m=23
